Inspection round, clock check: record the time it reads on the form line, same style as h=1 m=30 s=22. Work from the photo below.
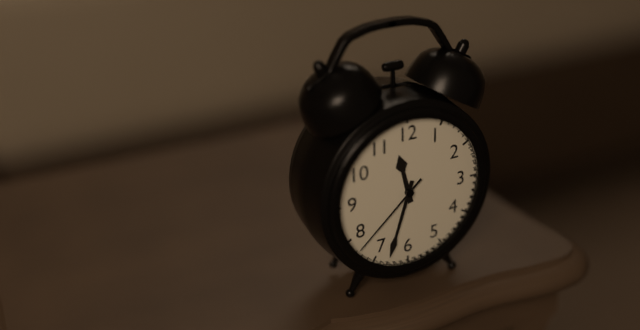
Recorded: h=11 m=33 s=38
